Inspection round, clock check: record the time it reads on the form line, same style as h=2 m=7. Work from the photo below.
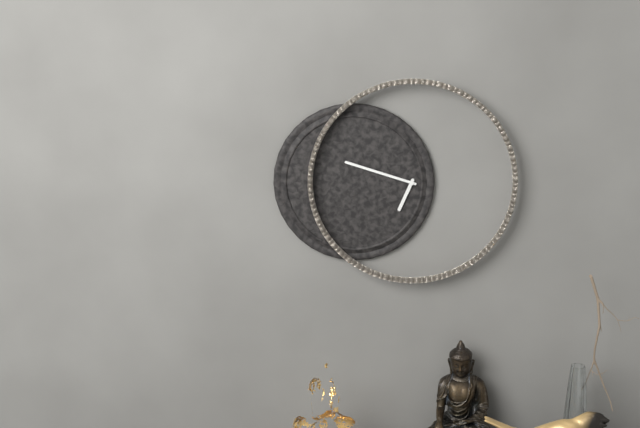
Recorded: h=6 m=48
